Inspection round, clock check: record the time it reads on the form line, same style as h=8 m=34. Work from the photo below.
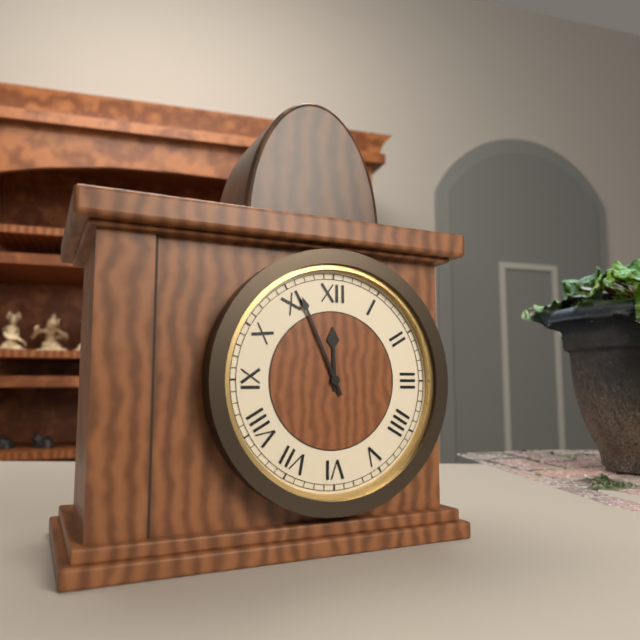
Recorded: h=11 m=56
